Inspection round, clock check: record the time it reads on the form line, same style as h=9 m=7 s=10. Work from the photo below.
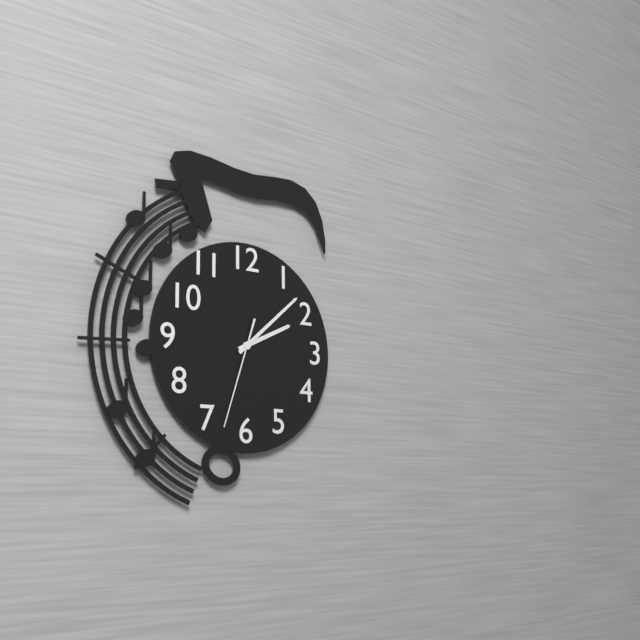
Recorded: h=2 m=8 s=33
